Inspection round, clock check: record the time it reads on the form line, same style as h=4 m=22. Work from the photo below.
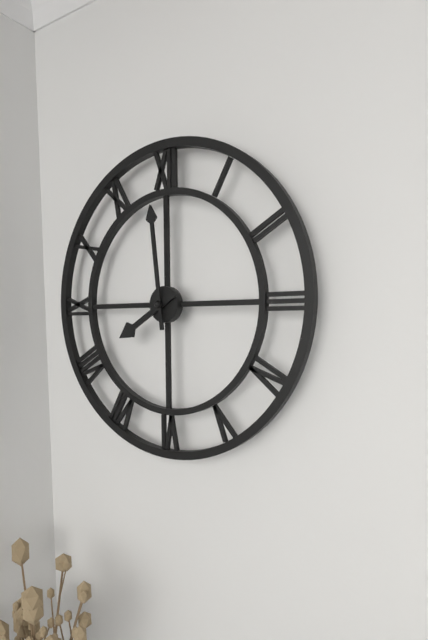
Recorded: h=7 m=59
